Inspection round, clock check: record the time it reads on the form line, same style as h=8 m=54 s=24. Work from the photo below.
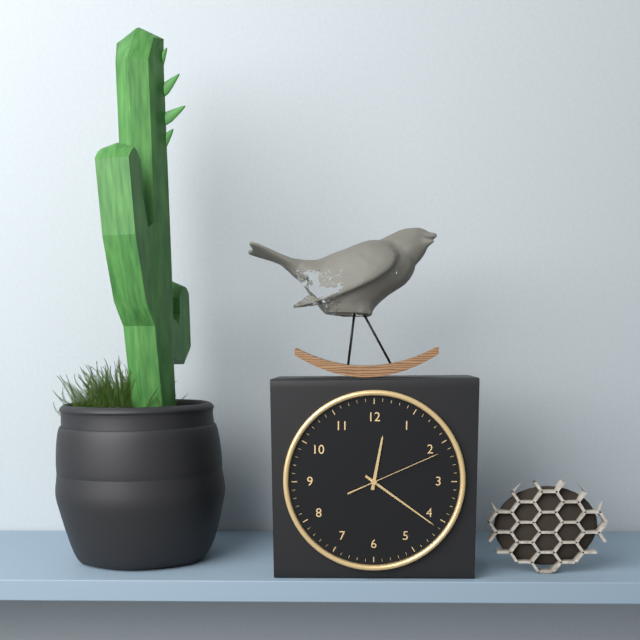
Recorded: h=12 m=21 s=11
